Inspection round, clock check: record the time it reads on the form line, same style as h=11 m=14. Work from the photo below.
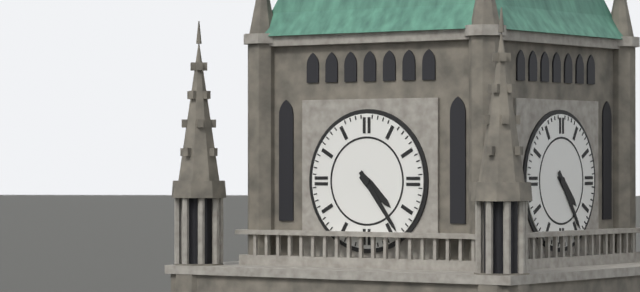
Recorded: h=4 m=24
